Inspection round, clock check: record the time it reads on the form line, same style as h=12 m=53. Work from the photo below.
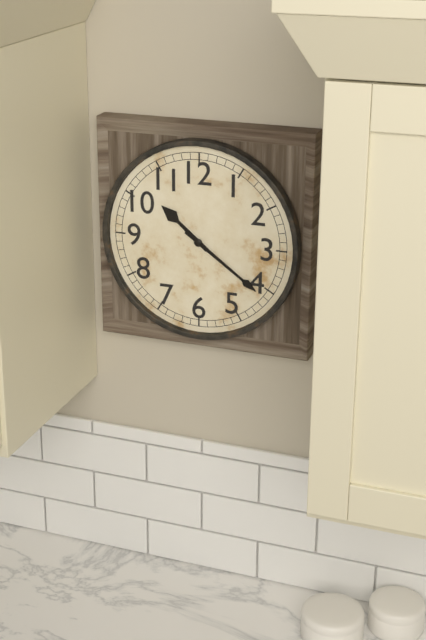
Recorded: h=10 m=21
